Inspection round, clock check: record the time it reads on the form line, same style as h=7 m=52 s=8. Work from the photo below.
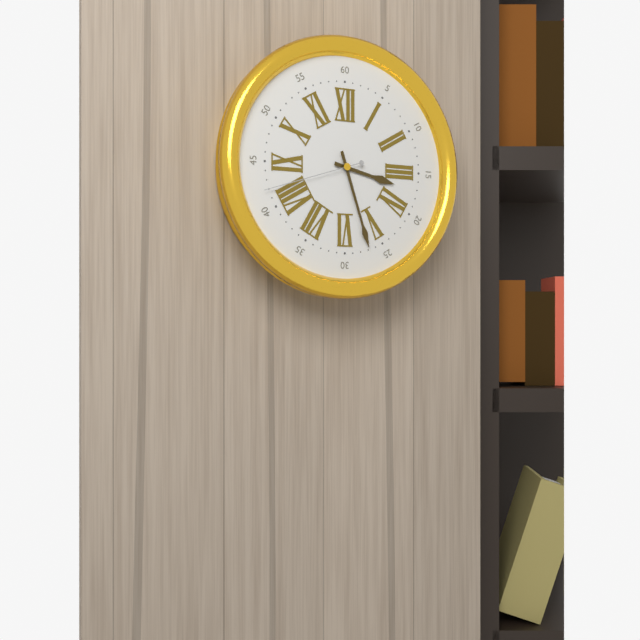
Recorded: h=3 m=27 s=42
